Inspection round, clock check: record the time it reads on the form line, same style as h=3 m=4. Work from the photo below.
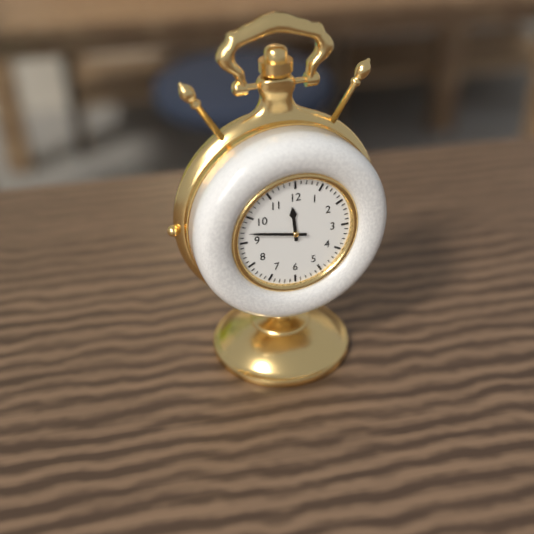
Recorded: h=11 m=47
